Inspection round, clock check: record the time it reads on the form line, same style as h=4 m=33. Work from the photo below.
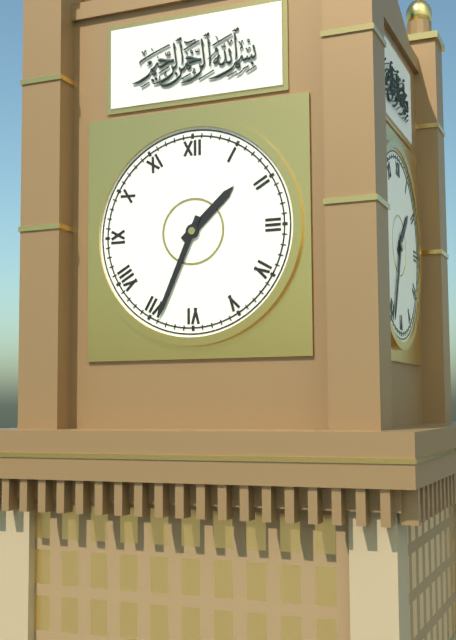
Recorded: h=1 m=34
